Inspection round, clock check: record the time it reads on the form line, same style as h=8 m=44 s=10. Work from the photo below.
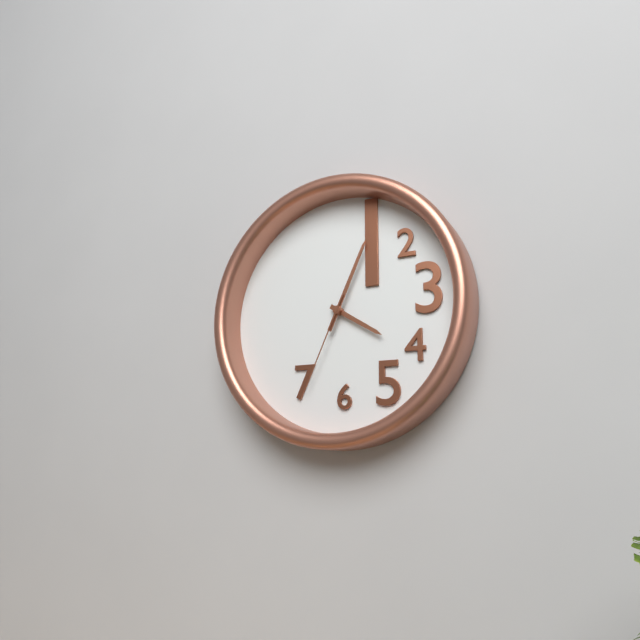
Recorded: h=4 m=4 s=34
